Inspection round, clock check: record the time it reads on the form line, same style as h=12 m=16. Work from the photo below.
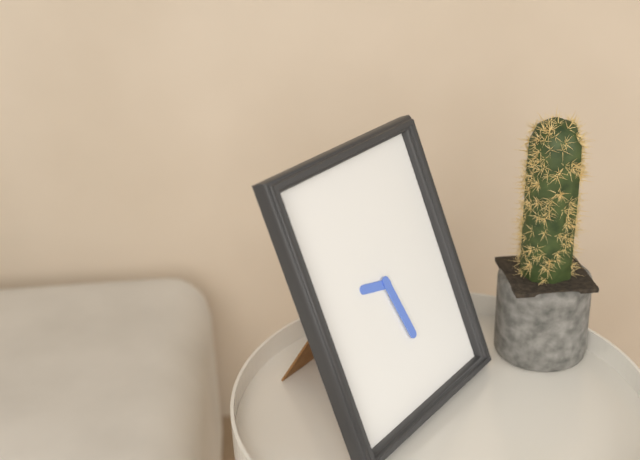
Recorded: h=9 m=28
